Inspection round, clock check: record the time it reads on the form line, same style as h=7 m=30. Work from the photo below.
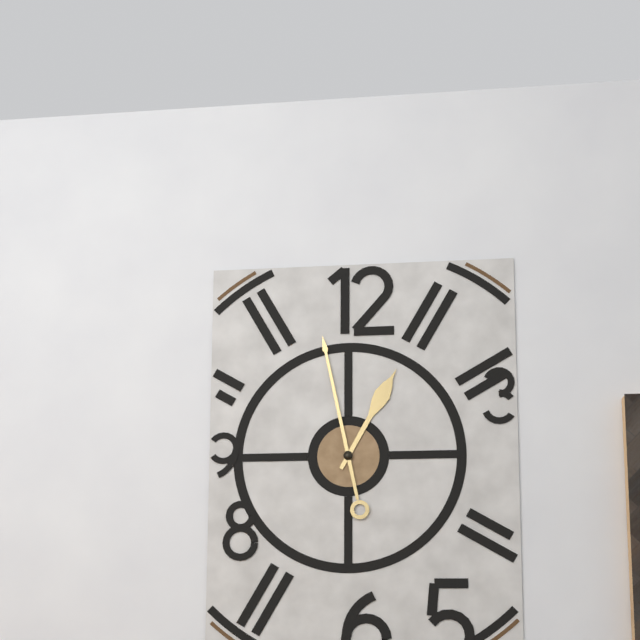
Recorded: h=12 m=58
